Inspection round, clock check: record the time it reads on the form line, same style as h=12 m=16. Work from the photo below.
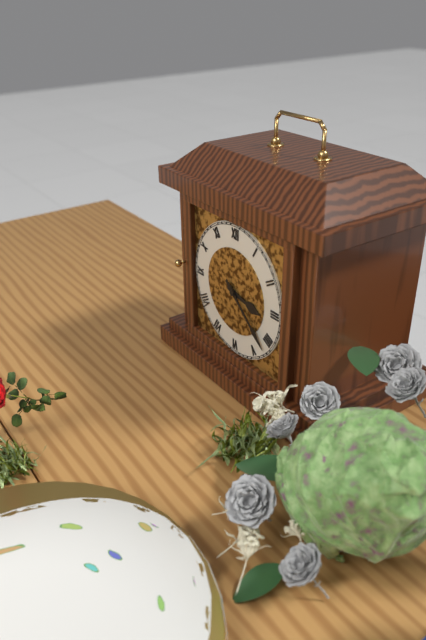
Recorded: h=3 m=22
